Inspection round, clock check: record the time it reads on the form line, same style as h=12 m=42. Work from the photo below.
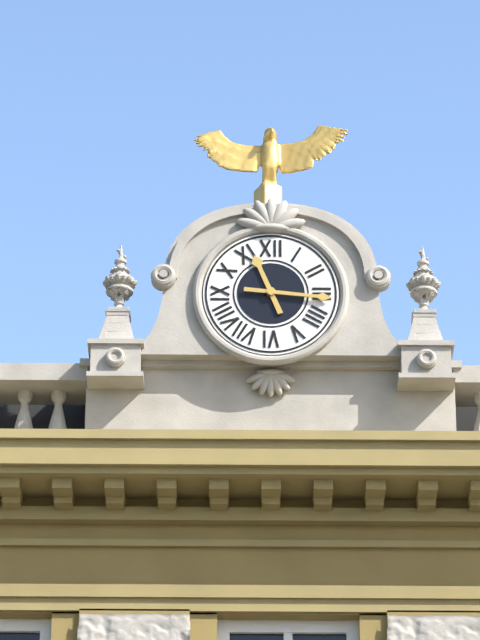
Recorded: h=11 m=16
